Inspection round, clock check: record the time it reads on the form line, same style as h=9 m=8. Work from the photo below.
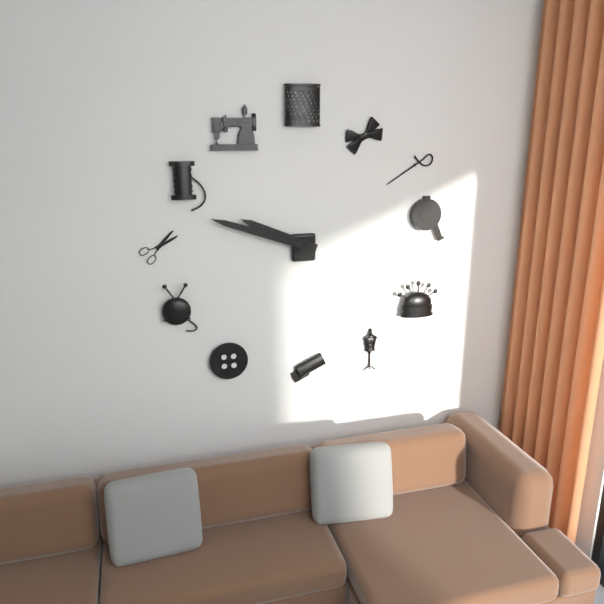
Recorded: h=9 m=48
